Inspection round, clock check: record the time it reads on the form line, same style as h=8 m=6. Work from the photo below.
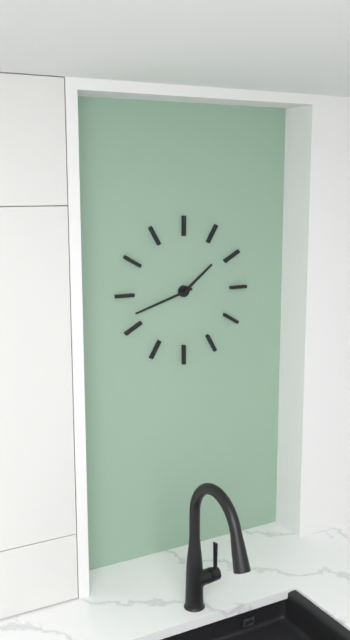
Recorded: h=1 m=42
